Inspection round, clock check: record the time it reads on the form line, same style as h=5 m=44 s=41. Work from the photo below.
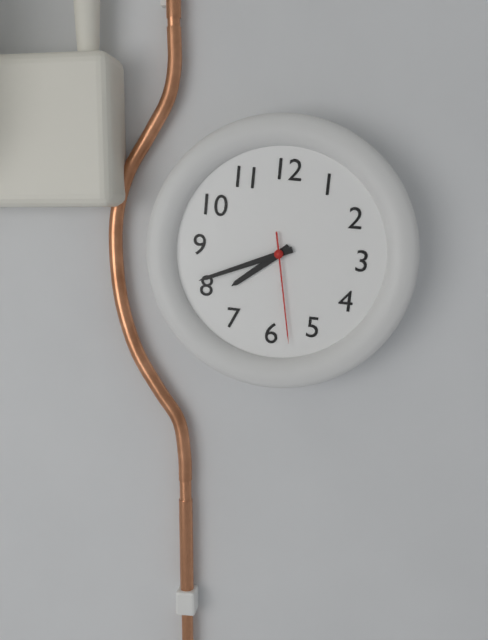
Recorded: h=7 m=41 s=28
